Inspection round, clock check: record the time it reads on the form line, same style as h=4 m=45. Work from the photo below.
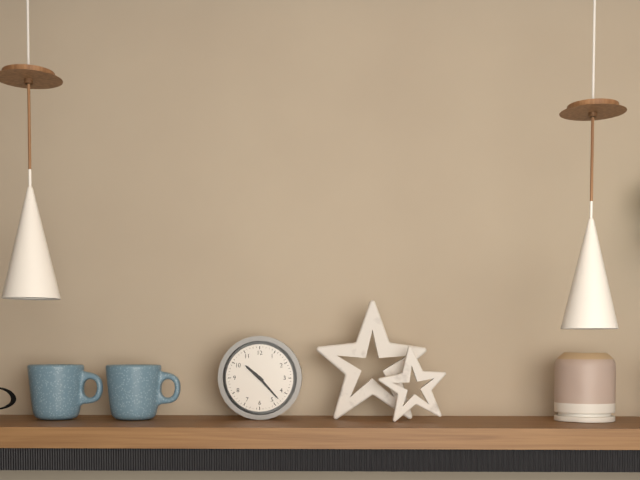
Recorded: h=10 m=23
